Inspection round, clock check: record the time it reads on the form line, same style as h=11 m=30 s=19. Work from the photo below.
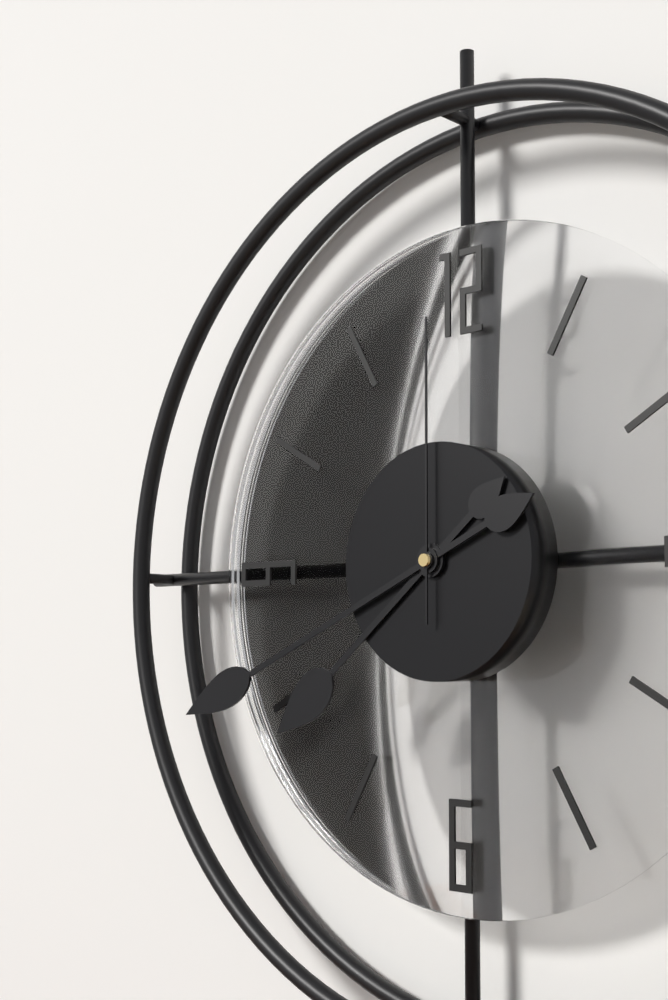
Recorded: h=7 m=41 s=0
